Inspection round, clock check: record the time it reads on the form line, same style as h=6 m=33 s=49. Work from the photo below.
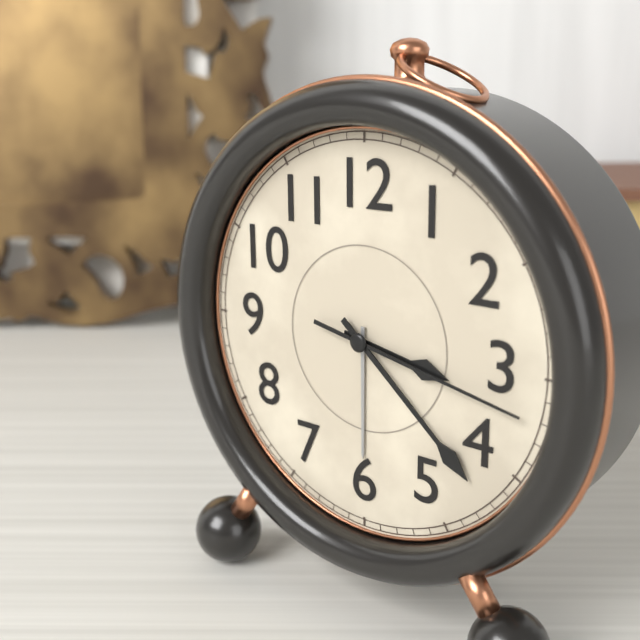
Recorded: h=3 m=22 s=17
